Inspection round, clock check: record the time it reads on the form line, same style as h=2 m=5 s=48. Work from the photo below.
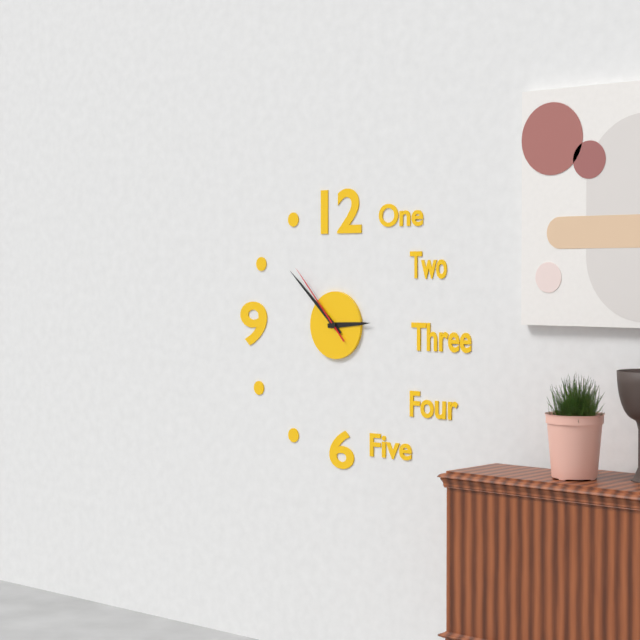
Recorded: h=2 m=52 s=53
